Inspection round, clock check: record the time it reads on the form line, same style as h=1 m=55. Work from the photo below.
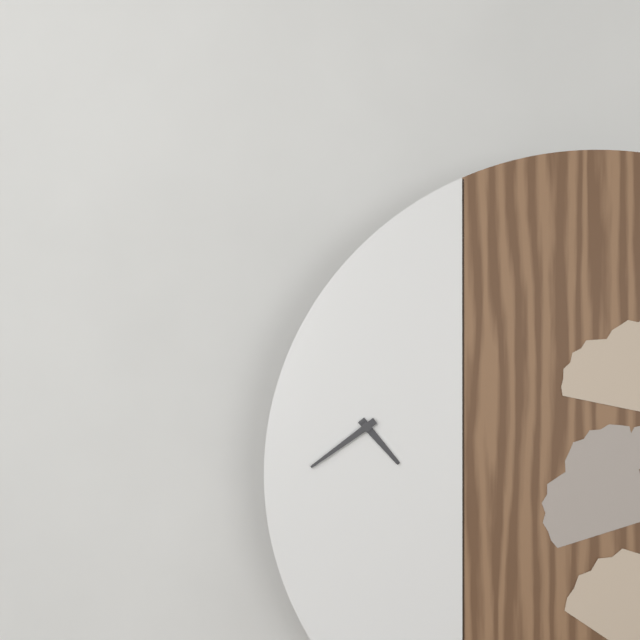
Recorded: h=4 m=39
